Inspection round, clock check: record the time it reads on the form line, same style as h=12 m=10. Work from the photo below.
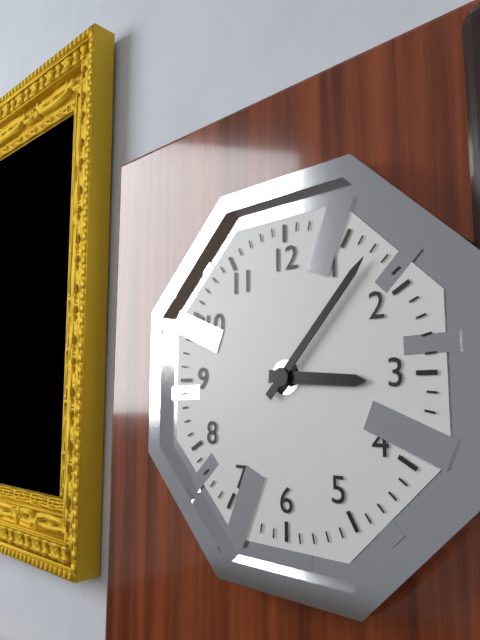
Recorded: h=3 m=7
